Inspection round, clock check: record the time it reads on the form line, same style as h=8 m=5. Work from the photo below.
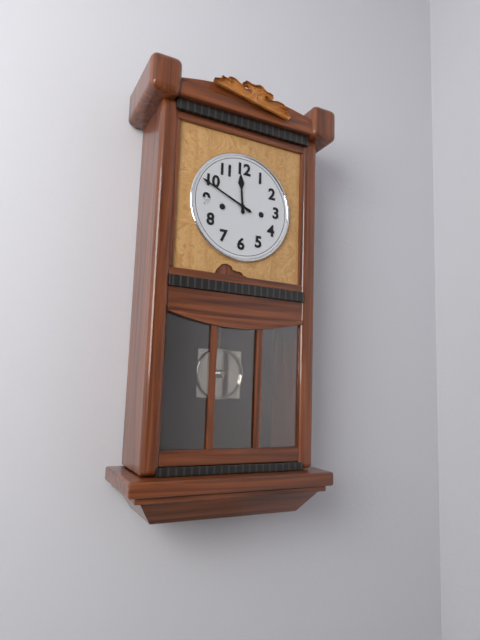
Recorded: h=11 m=49
